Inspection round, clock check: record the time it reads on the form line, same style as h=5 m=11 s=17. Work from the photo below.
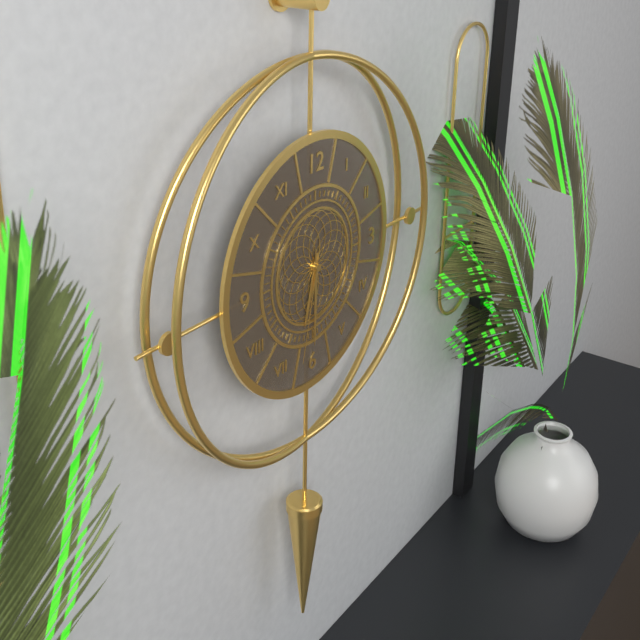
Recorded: h=6 m=30 s=32
